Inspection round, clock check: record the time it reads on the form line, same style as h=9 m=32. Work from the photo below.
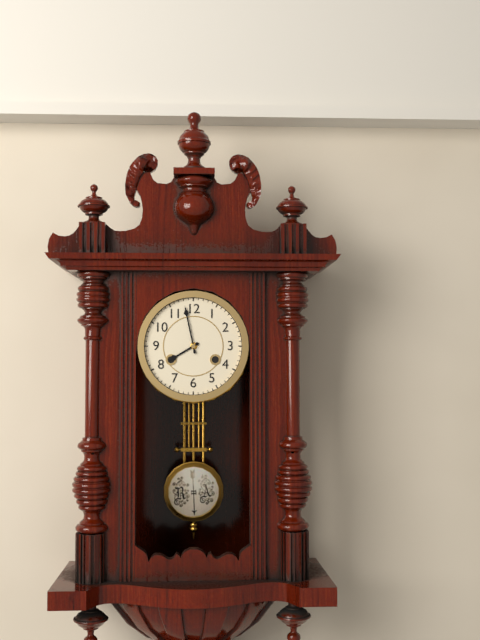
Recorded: h=7 m=58
